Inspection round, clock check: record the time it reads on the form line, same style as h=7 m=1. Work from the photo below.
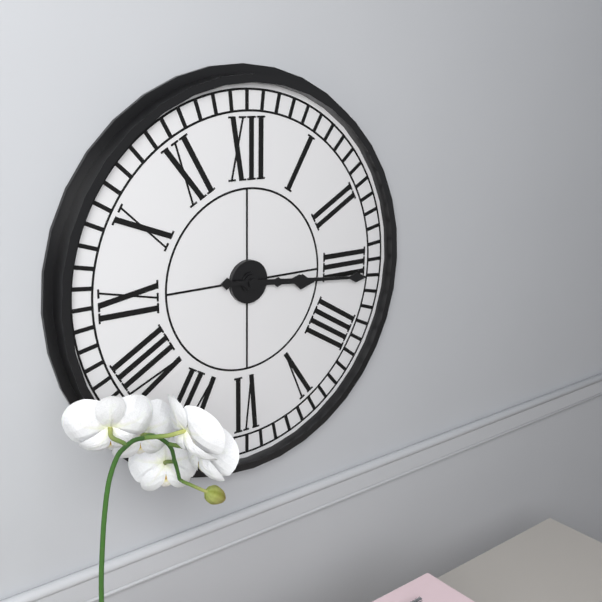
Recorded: h=3 m=16
